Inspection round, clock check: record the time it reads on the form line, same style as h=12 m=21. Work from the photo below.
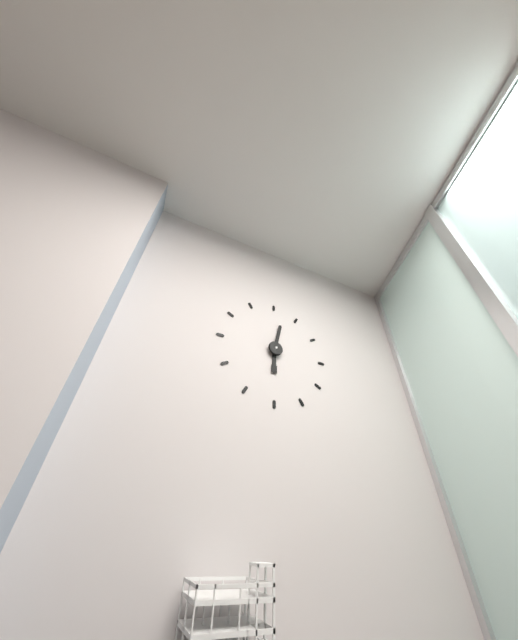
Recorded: h=6 m=2
